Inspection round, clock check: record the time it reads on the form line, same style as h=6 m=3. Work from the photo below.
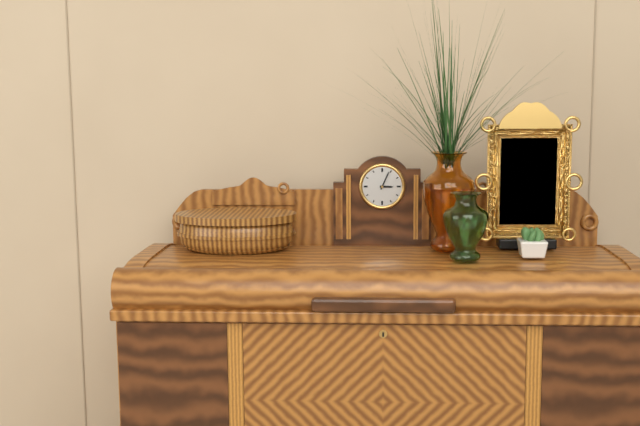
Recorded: h=3 m=4
